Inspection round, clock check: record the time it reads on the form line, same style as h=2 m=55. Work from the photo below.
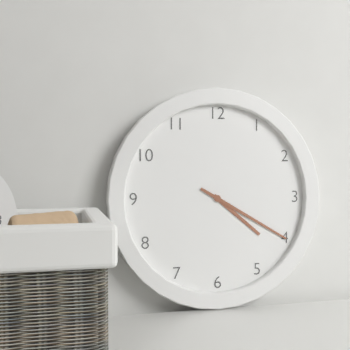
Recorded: h=4 m=20
